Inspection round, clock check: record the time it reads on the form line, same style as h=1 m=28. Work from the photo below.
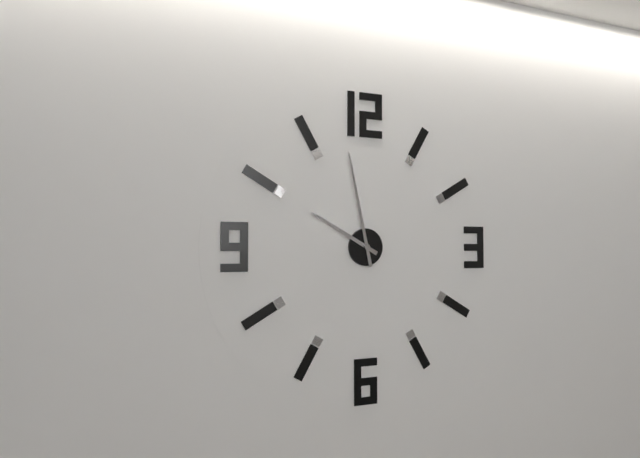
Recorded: h=9 m=58
